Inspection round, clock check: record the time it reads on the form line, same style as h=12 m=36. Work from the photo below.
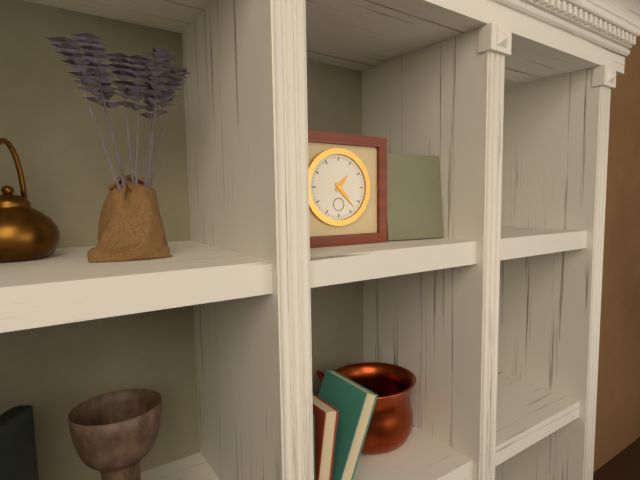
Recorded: h=1 m=23
